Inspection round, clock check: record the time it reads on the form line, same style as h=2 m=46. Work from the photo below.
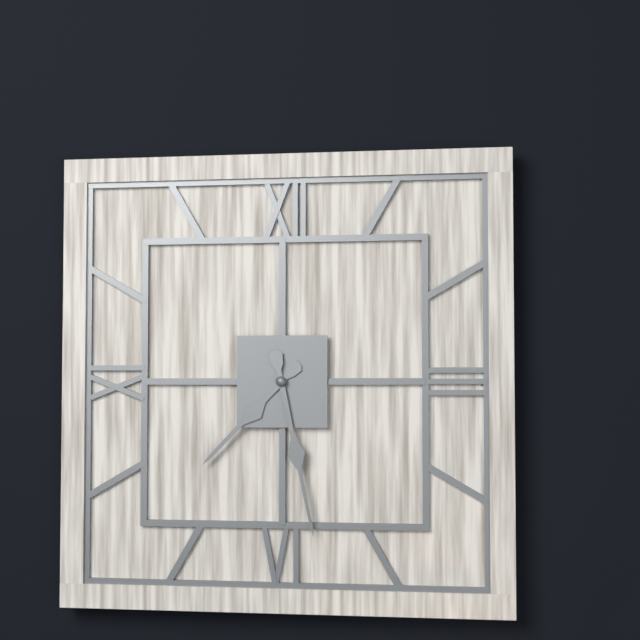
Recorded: h=7 m=28
